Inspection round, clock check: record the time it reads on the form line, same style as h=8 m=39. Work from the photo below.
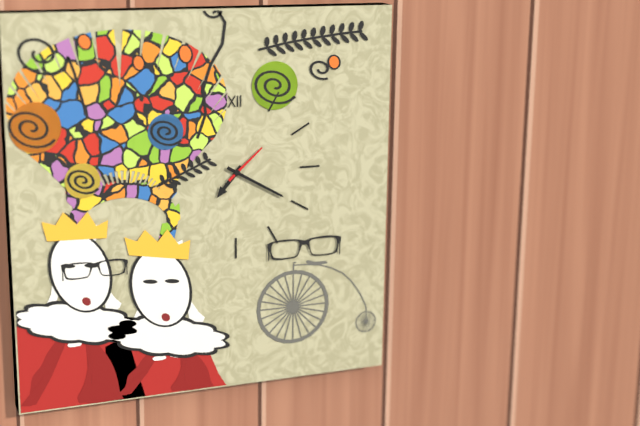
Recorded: h=7 m=20
